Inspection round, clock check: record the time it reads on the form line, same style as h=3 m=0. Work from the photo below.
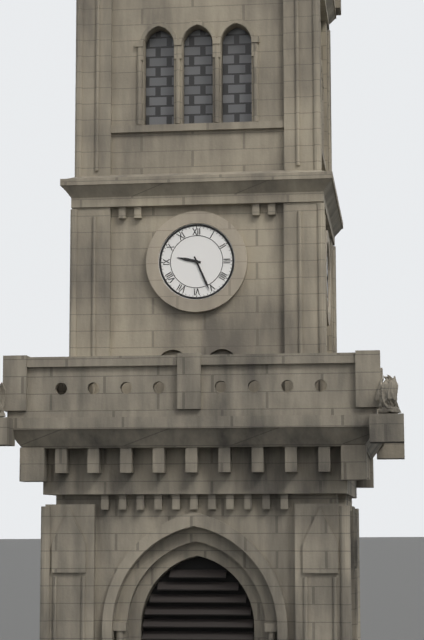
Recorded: h=9 m=26
